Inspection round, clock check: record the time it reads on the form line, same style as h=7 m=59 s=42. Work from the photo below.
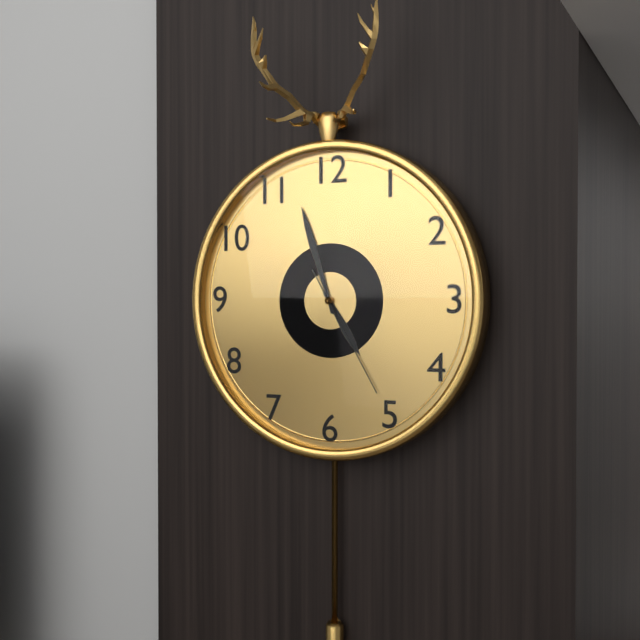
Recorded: h=4 m=57 s=25
